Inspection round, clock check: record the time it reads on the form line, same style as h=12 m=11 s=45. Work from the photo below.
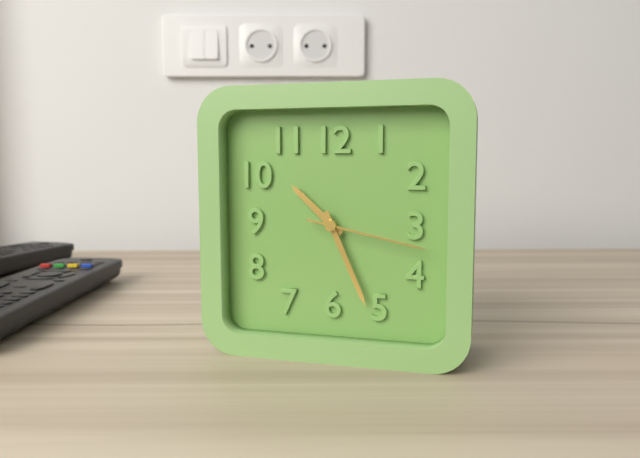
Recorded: h=10 m=26 s=17
